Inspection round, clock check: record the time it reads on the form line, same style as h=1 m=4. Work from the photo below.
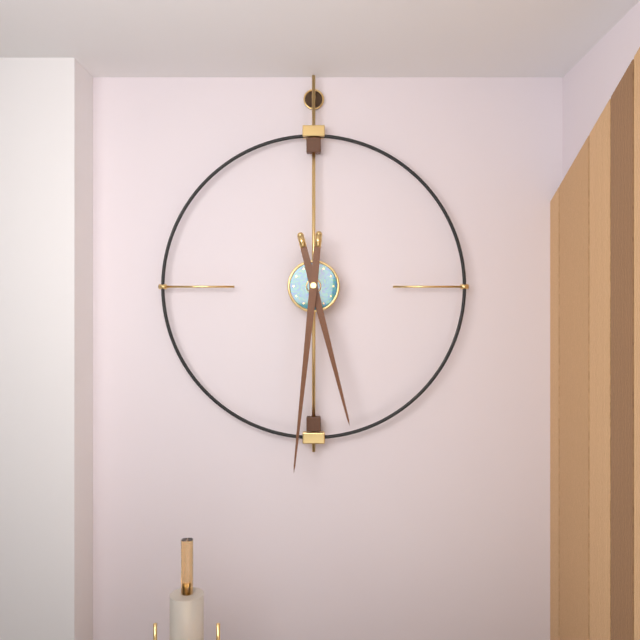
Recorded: h=5 m=31
